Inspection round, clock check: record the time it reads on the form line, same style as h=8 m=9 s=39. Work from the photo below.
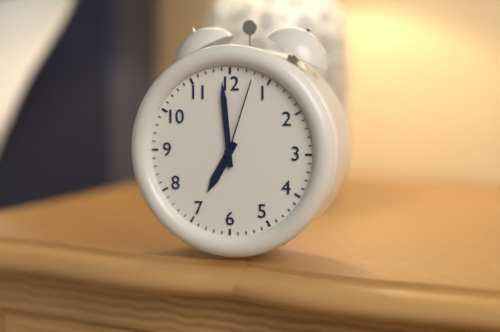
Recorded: h=6 m=59 s=3
